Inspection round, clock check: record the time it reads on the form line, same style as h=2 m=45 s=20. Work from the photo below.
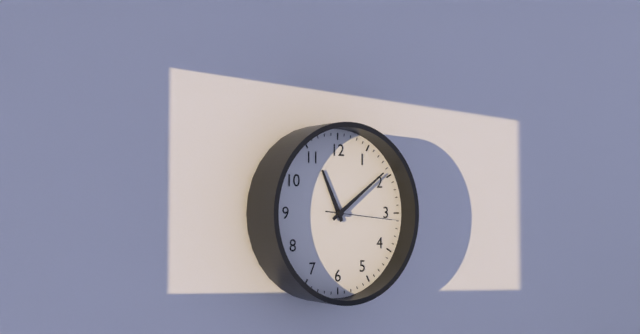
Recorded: h=11 m=9 s=16
